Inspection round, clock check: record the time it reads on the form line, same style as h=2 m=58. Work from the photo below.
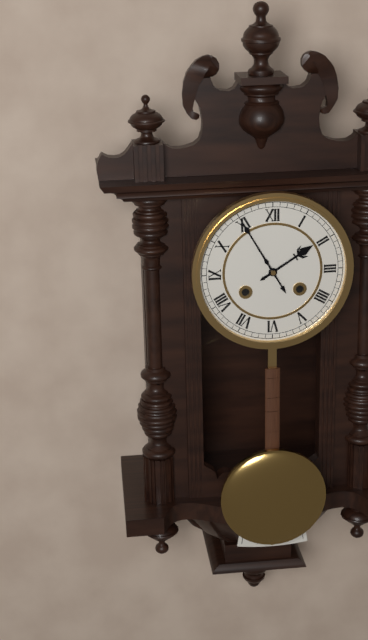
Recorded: h=1 m=55
